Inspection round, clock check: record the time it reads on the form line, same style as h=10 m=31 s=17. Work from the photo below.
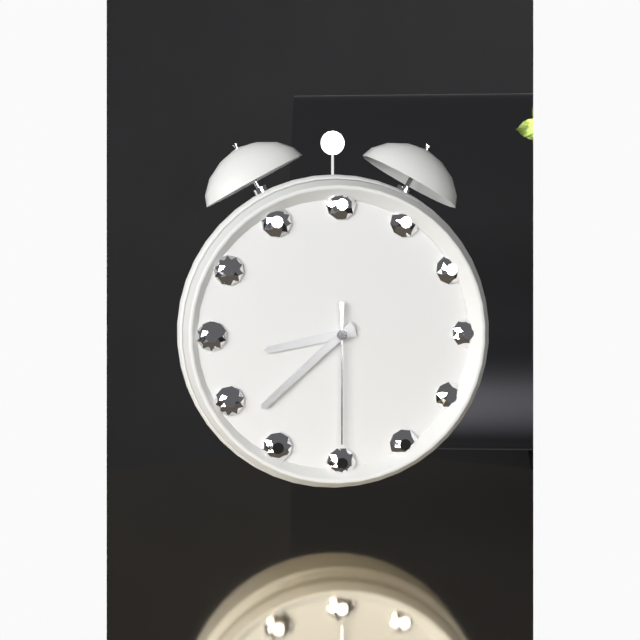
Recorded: h=8 m=38 s=30
